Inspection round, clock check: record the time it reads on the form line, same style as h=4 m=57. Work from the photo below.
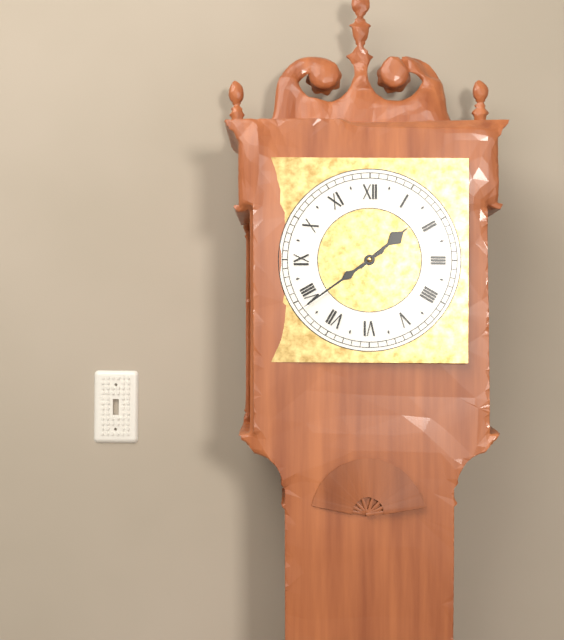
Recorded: h=1 m=39
